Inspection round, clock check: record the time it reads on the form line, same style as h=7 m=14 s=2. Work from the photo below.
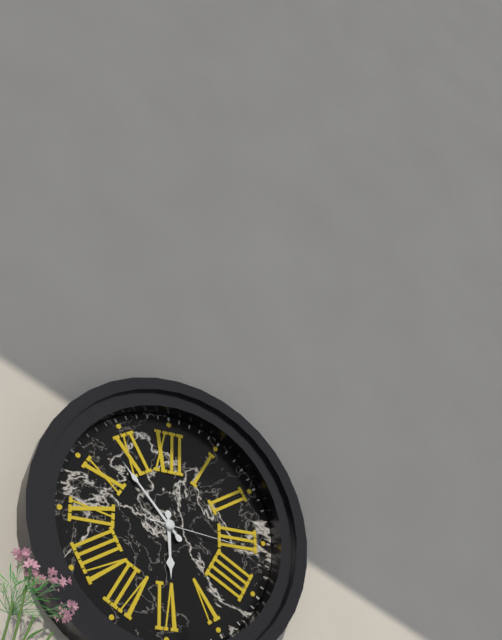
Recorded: h=5 m=53 s=16
